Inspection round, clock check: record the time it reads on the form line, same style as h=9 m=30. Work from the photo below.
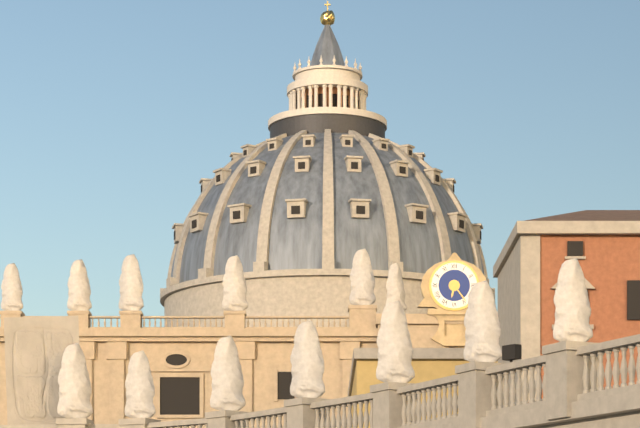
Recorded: h=6 m=24
